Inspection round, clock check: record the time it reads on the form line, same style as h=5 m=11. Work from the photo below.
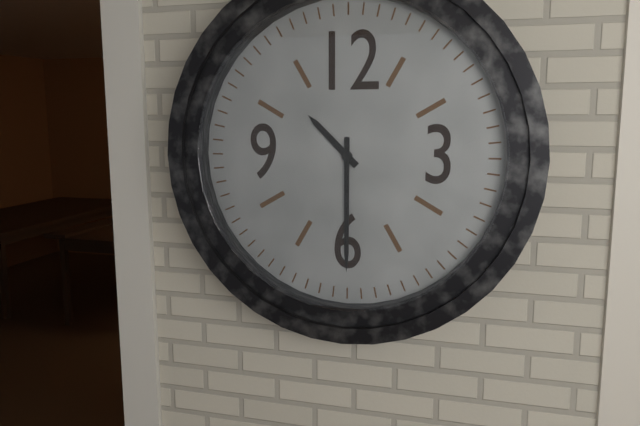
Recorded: h=10 m=30
